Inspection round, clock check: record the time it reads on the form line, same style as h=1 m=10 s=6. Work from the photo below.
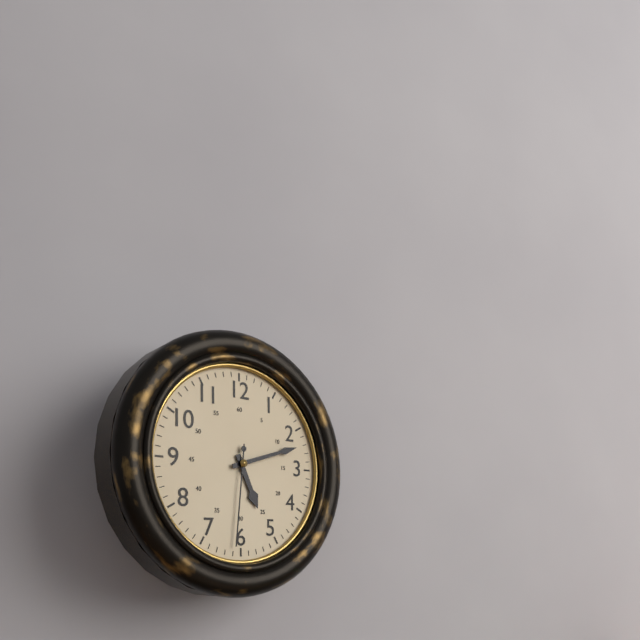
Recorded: h=5 m=12 s=31
